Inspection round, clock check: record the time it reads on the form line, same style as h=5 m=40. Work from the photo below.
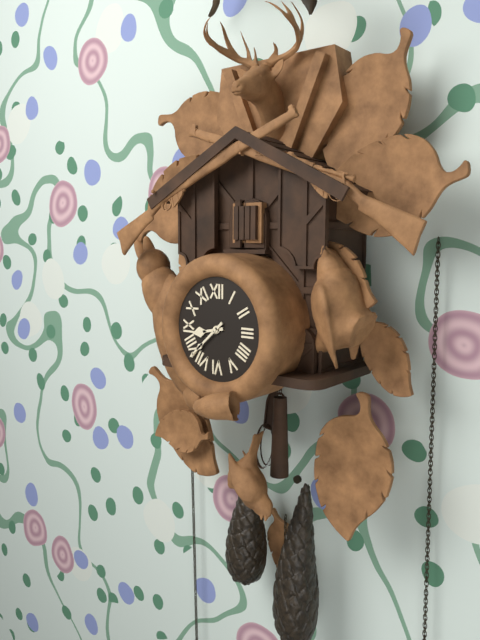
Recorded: h=8 m=38
